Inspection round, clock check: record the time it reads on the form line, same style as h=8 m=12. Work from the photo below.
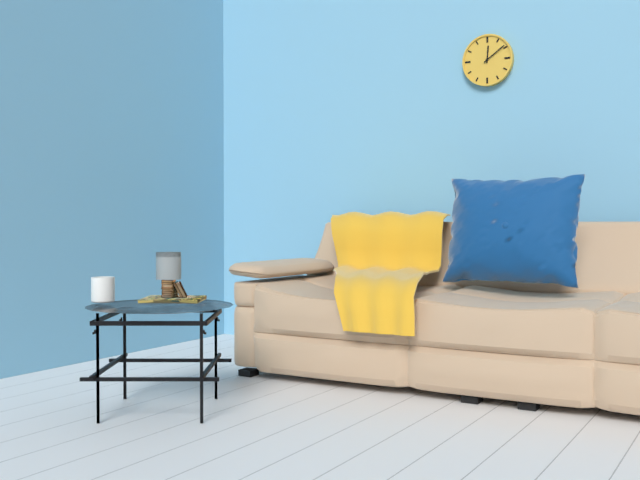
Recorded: h=12 m=9
